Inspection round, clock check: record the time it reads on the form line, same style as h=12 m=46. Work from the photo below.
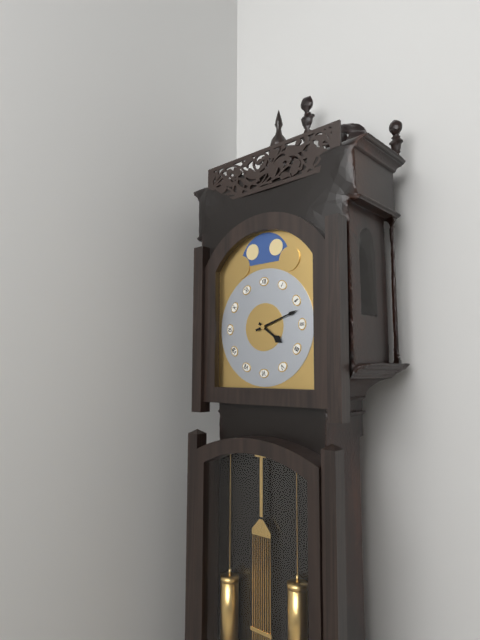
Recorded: h=4 m=12
